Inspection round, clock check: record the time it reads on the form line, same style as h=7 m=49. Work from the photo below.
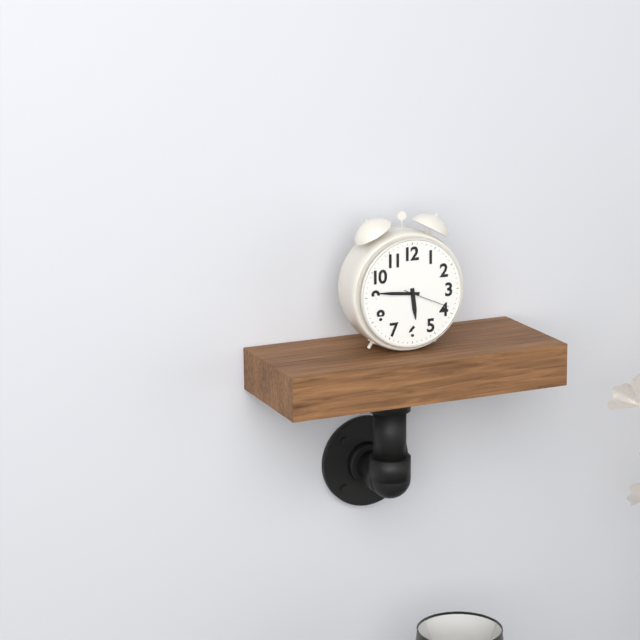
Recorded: h=5 m=46
